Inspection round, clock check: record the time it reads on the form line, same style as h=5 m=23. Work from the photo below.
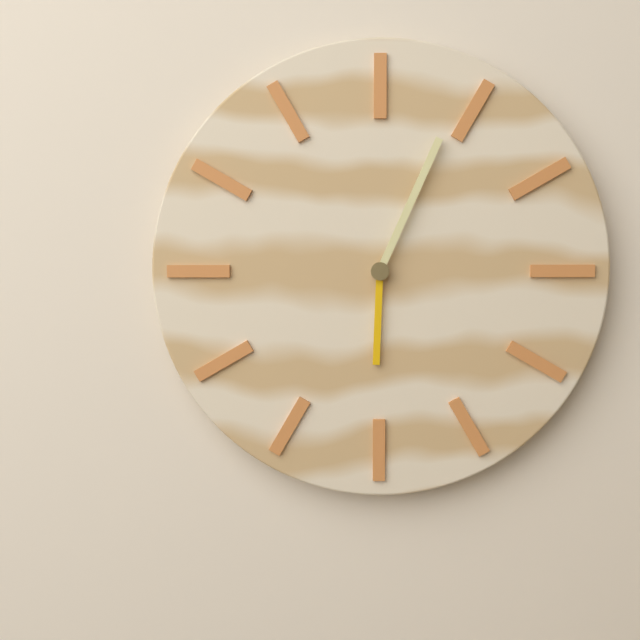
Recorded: h=6 m=4
